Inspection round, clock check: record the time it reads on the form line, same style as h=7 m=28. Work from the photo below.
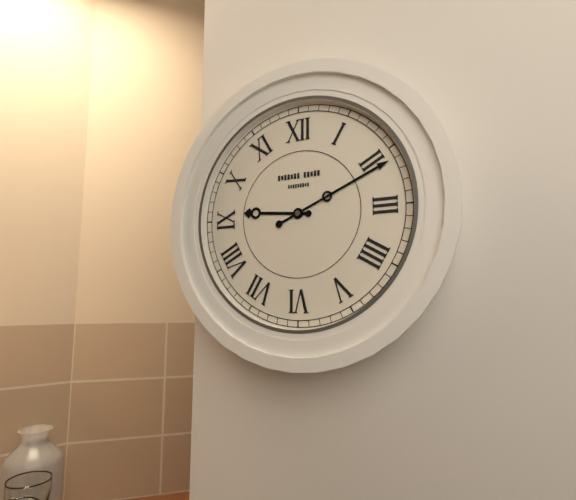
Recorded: h=9 m=11
